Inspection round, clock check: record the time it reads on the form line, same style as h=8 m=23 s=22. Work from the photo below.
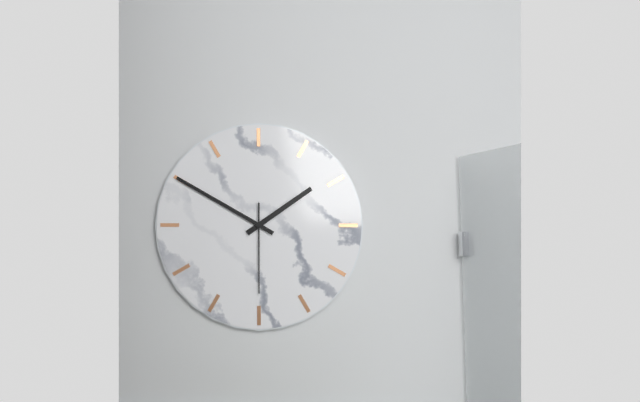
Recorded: h=1 m=50 s=30
